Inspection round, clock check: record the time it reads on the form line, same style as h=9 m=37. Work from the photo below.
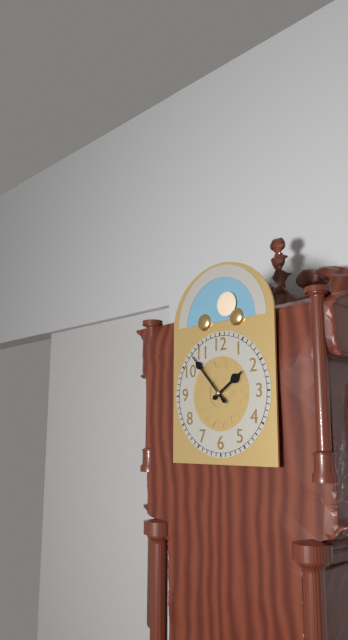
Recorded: h=1 m=53
